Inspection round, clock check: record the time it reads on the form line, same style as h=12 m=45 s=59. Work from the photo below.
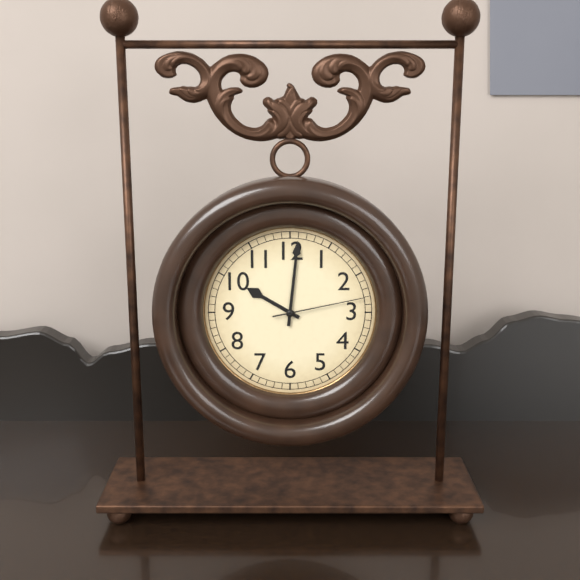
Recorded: h=10 m=1 s=13
